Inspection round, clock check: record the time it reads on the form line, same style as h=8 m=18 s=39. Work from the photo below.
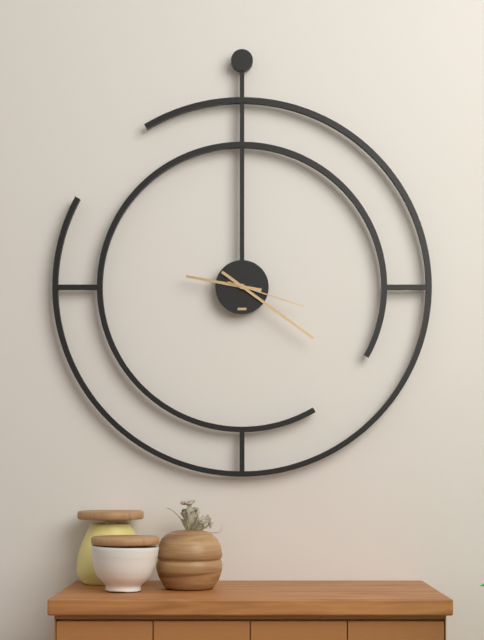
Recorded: h=9 m=21 s=18
